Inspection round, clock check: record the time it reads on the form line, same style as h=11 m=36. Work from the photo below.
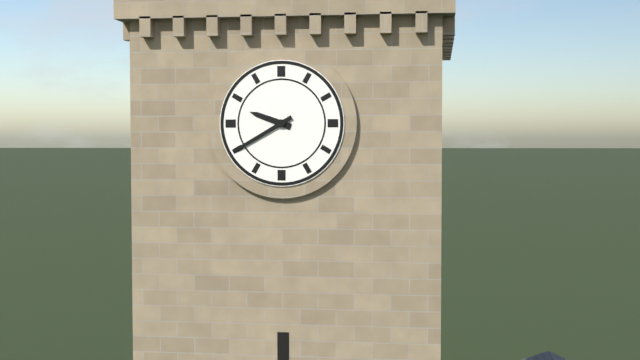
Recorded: h=9 m=40
